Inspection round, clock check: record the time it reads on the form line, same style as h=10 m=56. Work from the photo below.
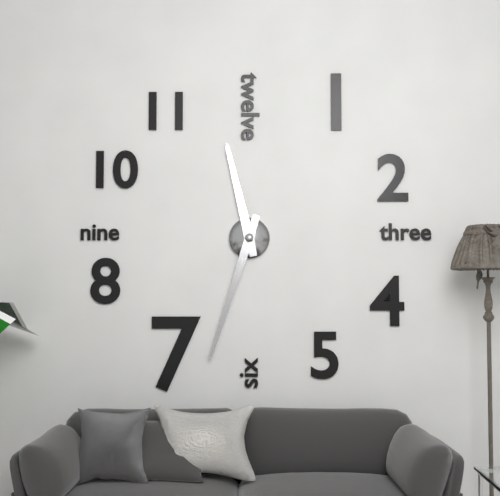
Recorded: h=11 m=33
